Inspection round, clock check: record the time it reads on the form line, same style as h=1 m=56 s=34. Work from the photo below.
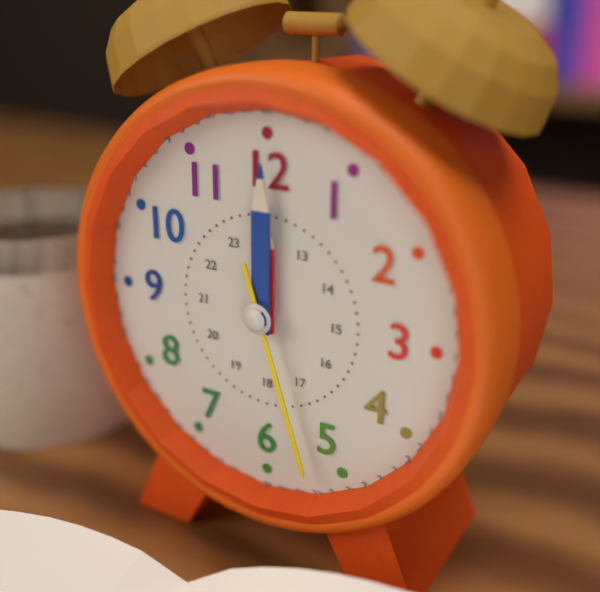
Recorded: h=12 m=0 s=27
